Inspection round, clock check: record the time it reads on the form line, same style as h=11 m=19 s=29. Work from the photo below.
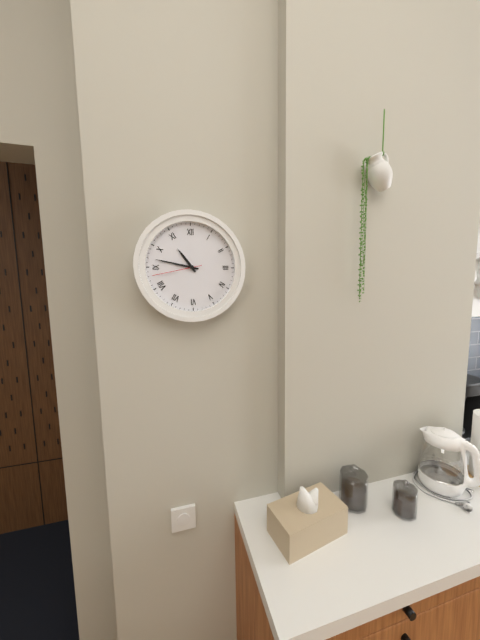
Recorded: h=10 m=47 s=43
